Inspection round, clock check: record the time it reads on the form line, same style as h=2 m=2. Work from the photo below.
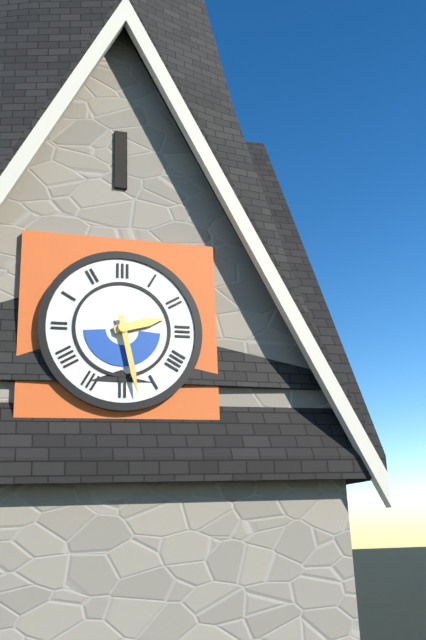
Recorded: h=2 m=28
